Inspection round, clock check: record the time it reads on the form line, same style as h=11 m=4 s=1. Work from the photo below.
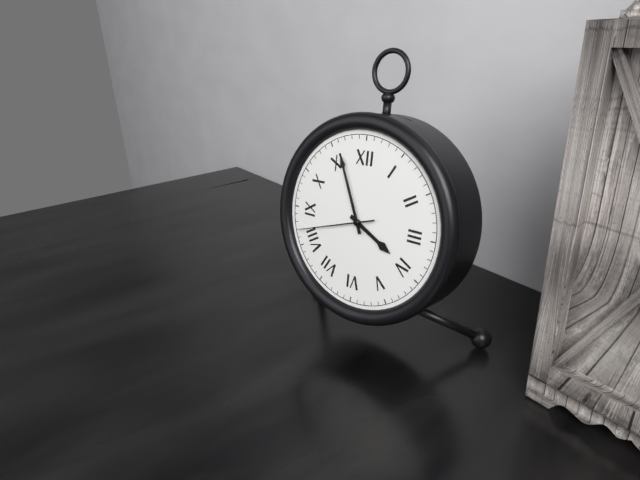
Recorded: h=3 m=56 s=42
